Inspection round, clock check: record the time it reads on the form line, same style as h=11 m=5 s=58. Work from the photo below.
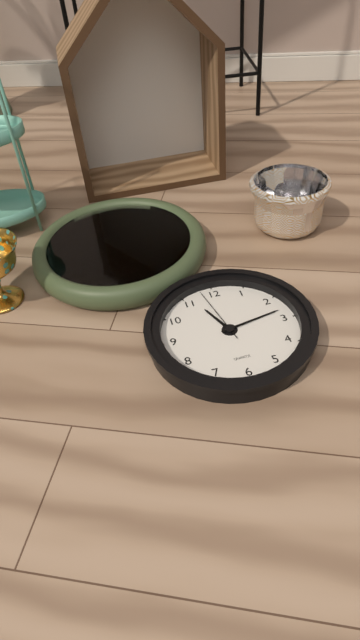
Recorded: h=11 m=13 s=58
